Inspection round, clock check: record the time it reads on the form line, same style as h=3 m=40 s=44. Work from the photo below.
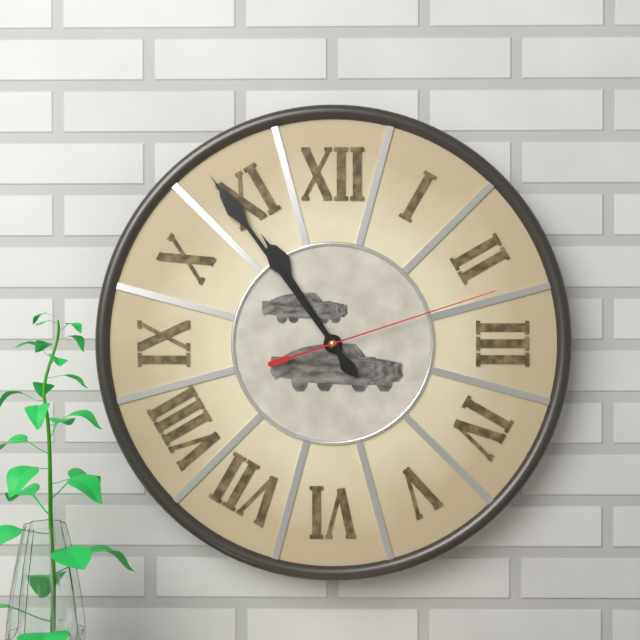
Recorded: h=10 m=54 s=12
